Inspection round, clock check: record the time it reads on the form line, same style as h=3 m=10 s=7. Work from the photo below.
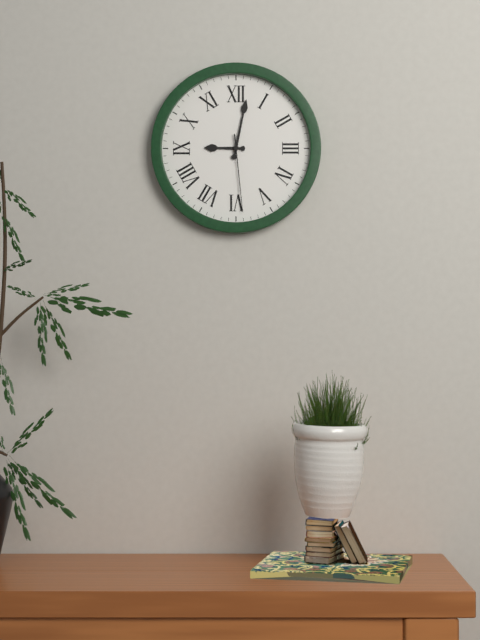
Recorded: h=9 m=2 s=29
